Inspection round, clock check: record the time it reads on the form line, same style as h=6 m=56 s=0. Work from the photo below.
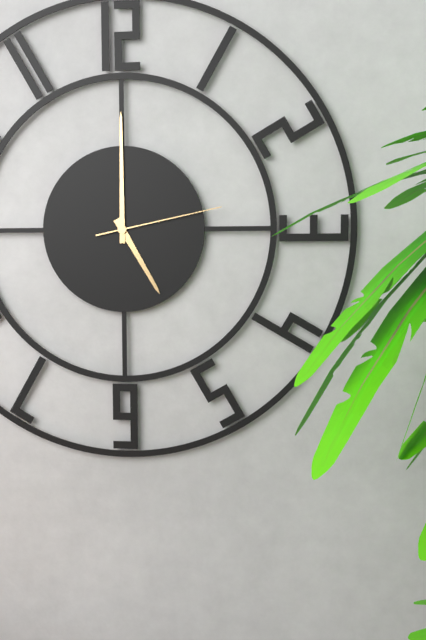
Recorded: h=5 m=0 s=13
